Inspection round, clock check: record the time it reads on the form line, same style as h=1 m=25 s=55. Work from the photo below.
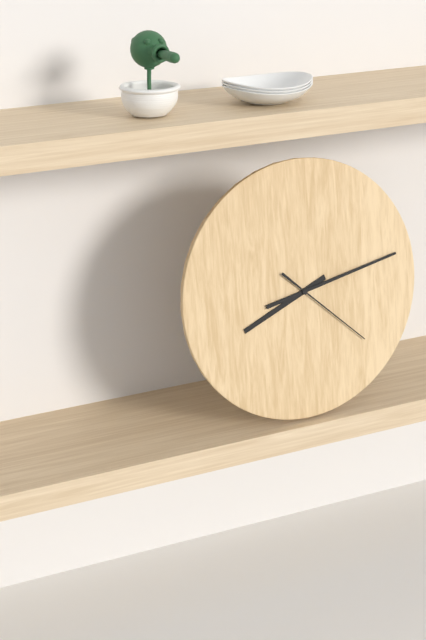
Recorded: h=8 m=13 s=22
